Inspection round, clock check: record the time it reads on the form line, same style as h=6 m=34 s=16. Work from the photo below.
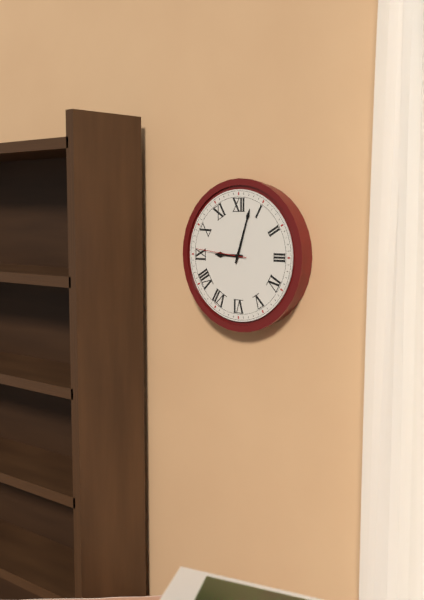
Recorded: h=9 m=3 s=46
